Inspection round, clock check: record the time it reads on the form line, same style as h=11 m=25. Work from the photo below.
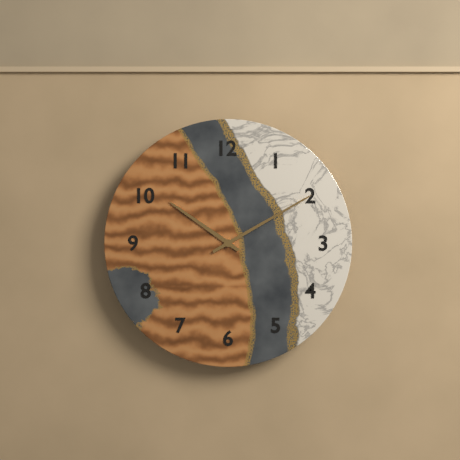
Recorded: h=10 m=10
